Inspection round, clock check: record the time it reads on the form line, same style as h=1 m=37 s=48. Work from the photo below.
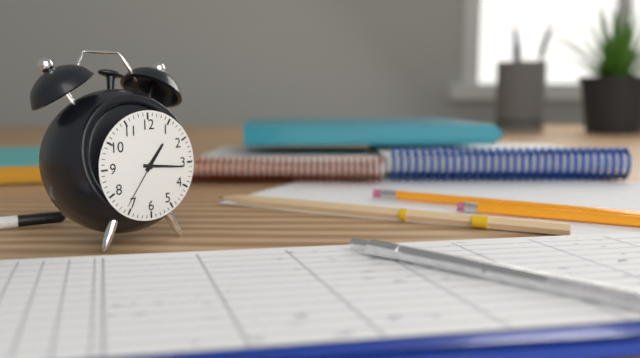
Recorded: h=1 m=16 s=36
